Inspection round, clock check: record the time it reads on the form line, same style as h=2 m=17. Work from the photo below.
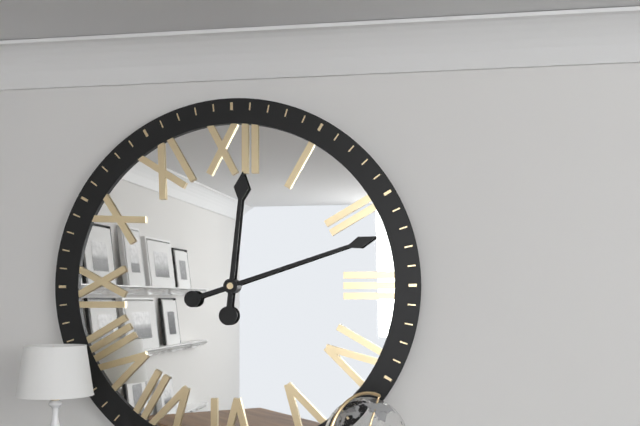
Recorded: h=12 m=12
